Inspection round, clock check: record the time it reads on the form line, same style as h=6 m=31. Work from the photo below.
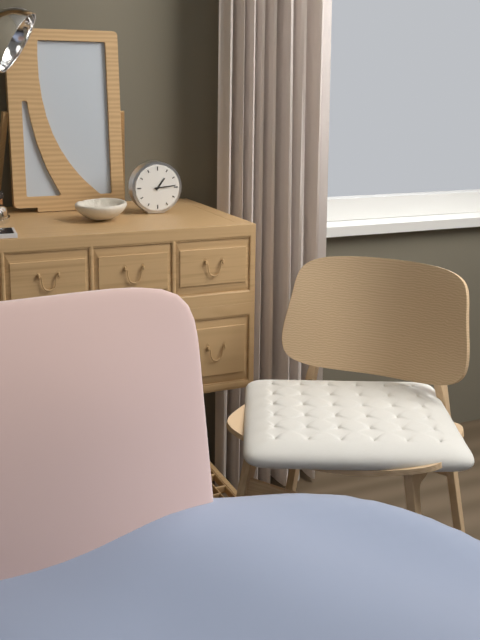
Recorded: h=1 m=14
